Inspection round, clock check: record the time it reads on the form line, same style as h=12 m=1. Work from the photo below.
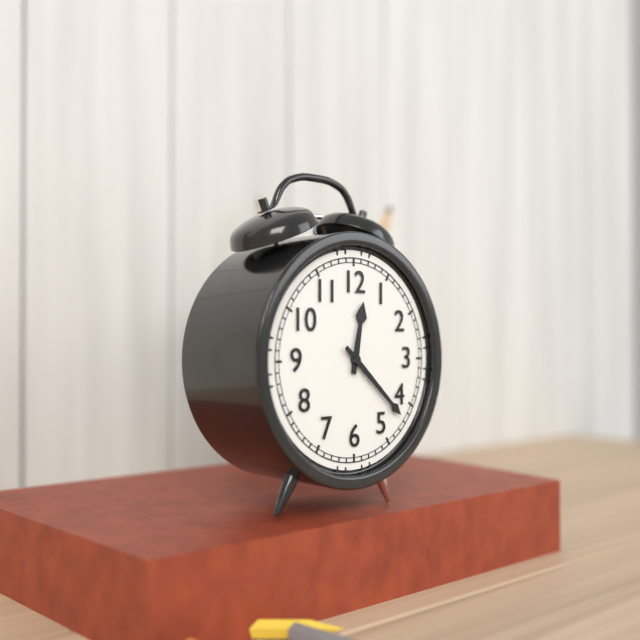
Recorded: h=12 m=22
